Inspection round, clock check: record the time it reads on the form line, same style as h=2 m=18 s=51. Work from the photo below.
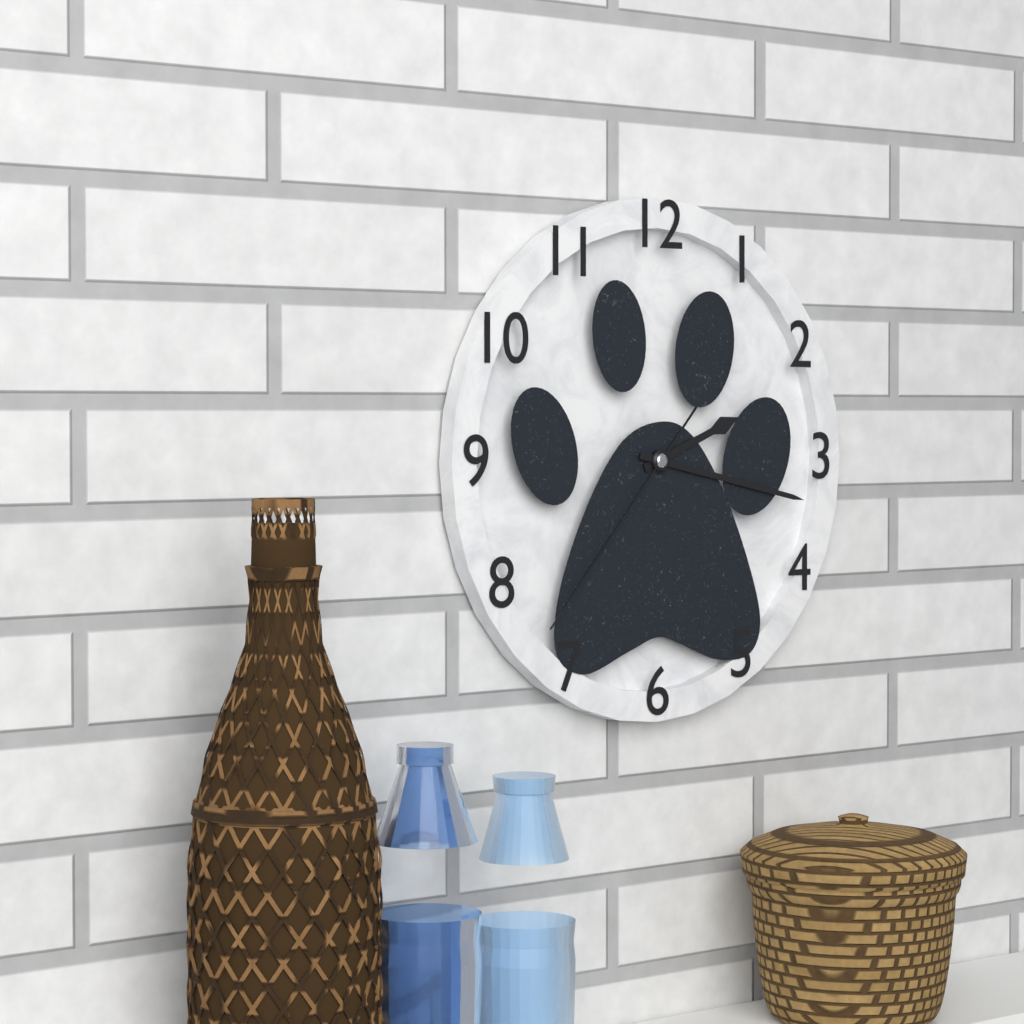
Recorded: h=2 m=17 s=37
